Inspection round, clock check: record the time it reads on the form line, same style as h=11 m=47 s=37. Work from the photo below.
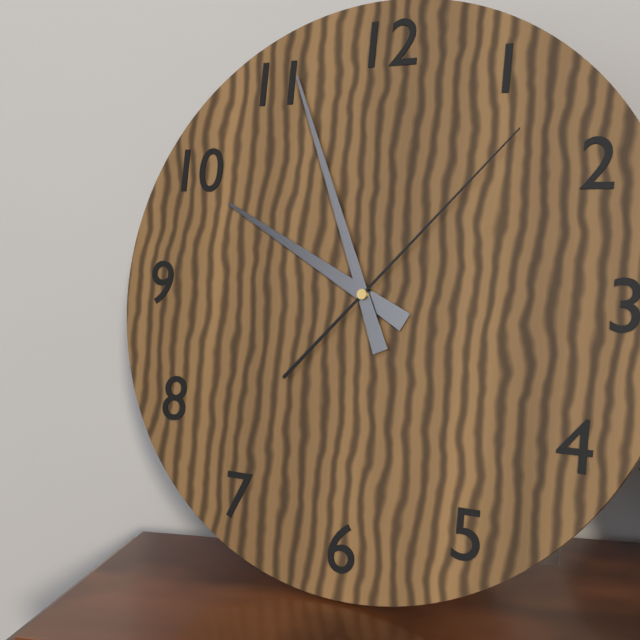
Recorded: h=9 m=56 s=7
